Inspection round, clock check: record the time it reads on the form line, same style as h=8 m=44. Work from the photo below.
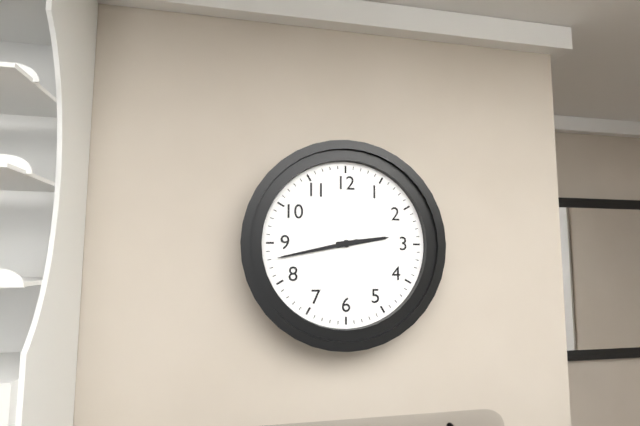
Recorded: h=2 m=43
